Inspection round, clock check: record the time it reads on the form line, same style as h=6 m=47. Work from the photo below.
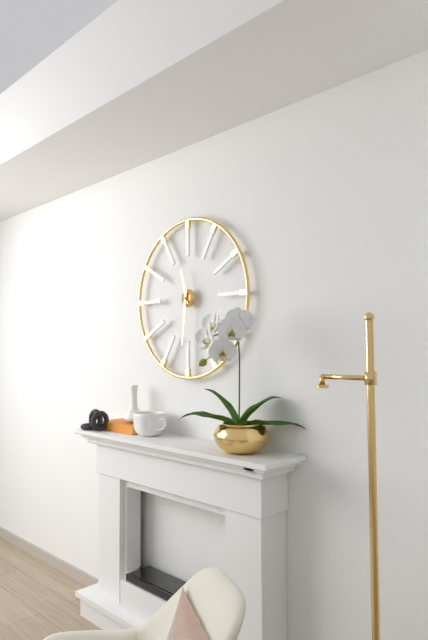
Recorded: h=11 m=31
